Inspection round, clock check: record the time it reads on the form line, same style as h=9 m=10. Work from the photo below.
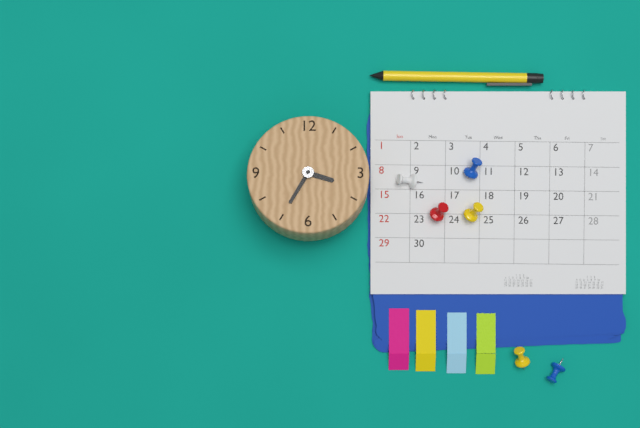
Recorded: h=3 m=35
